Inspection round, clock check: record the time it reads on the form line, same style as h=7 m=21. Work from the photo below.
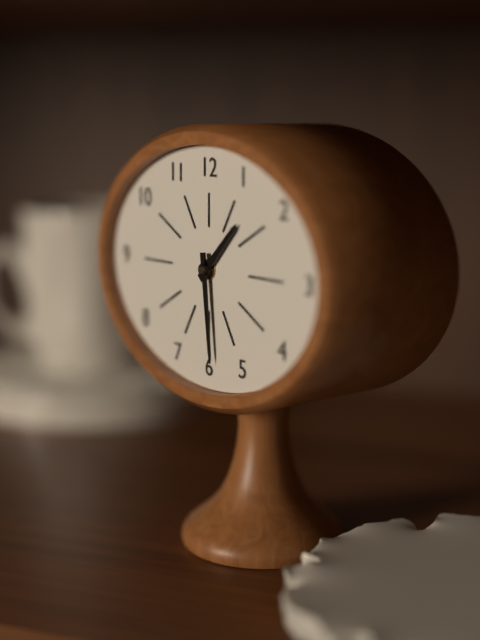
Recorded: h=1 m=29
